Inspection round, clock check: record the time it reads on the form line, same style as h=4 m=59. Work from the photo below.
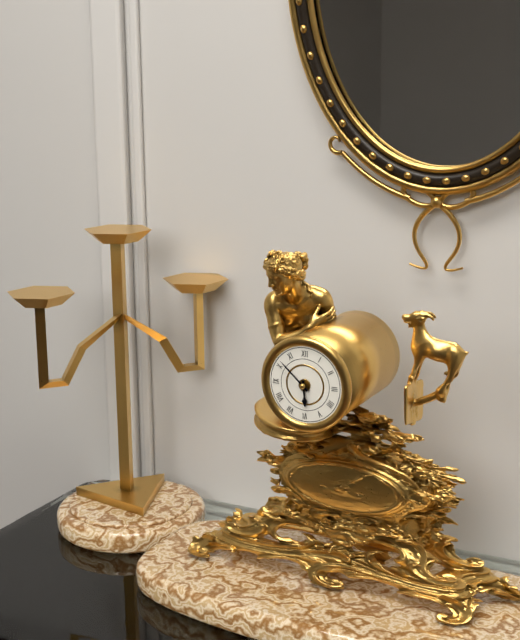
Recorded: h=5 m=52
